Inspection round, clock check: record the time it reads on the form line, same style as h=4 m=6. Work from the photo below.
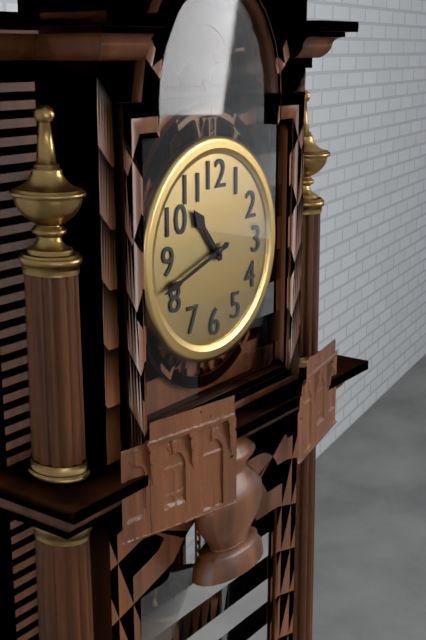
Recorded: h=10 m=42
